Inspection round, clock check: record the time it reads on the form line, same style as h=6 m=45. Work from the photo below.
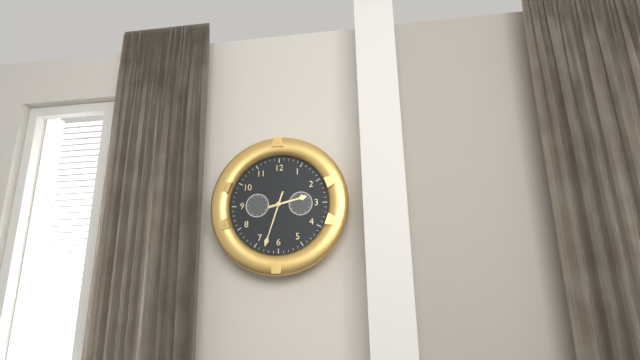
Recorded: h=2 m=33
